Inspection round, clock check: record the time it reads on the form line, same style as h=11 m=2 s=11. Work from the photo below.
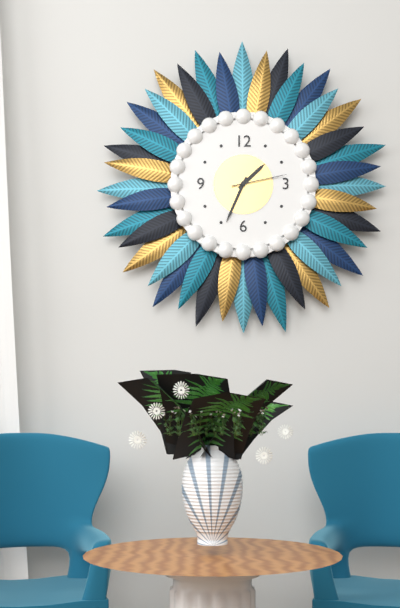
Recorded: h=1 m=34 s=13
